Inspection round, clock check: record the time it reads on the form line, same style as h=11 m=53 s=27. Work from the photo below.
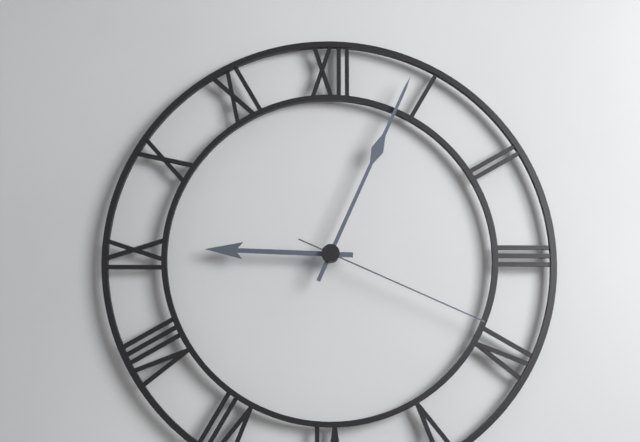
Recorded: h=9 m=4 s=19
